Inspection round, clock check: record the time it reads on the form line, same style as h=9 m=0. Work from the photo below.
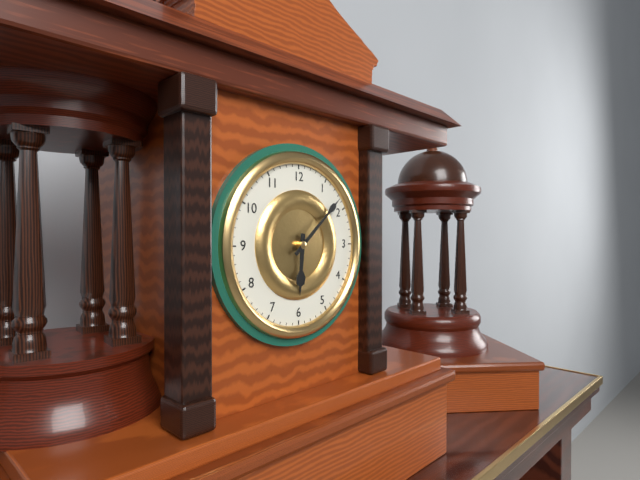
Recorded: h=6 m=8
